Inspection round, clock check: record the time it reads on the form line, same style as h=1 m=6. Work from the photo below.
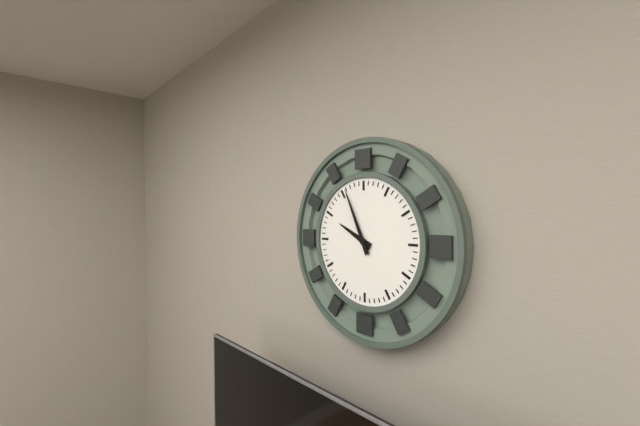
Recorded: h=9 m=56
